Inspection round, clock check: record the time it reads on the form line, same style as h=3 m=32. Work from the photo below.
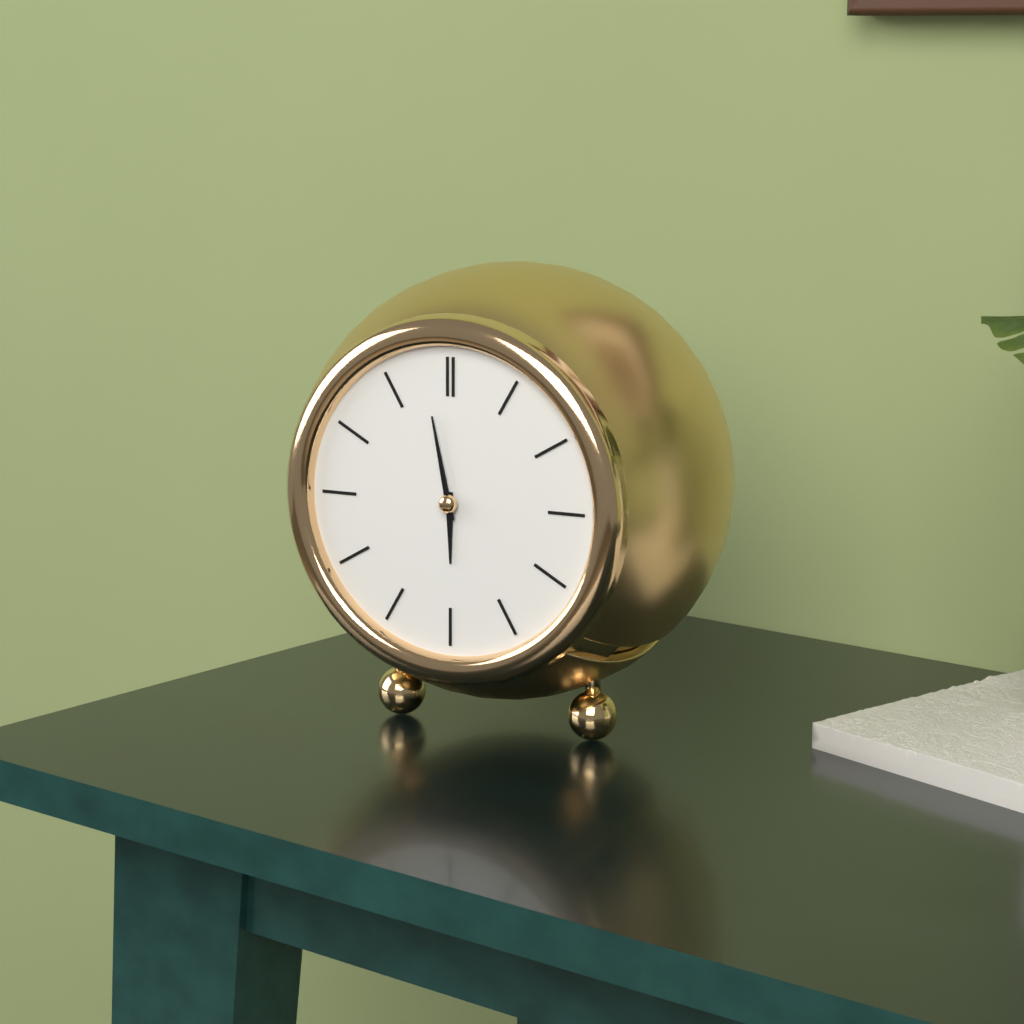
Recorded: h=5 m=58
